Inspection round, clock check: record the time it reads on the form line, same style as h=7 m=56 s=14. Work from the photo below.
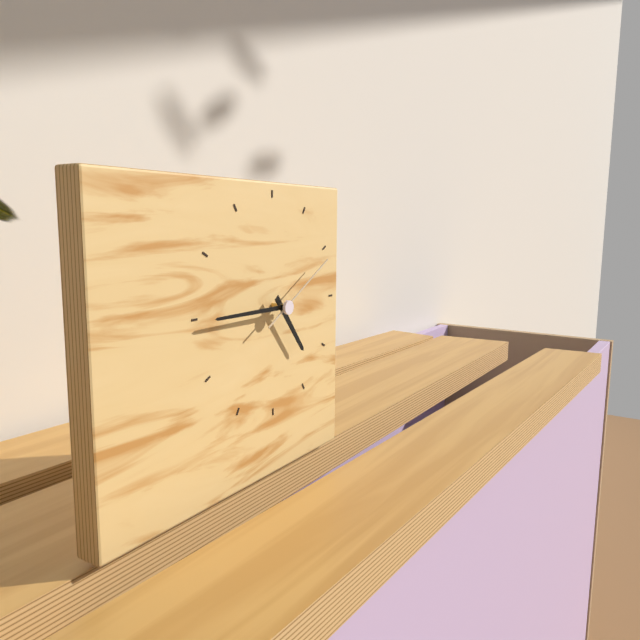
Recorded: h=4 m=45 s=10
